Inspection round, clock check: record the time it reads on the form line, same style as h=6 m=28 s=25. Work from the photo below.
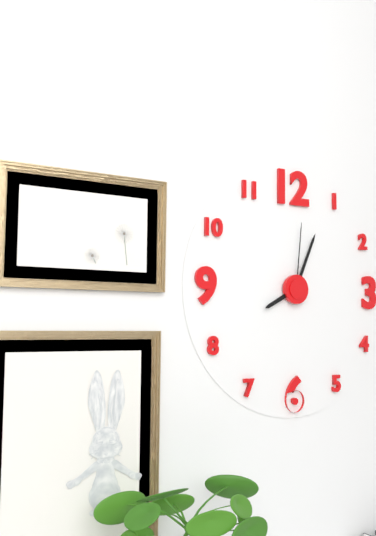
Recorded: h=8 m=4 s=1
